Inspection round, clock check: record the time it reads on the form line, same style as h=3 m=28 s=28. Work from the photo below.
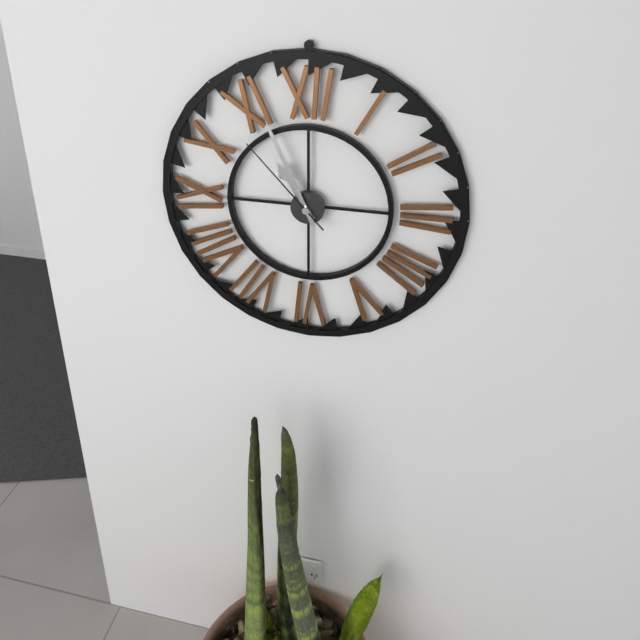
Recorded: h=10 m=56 s=53
